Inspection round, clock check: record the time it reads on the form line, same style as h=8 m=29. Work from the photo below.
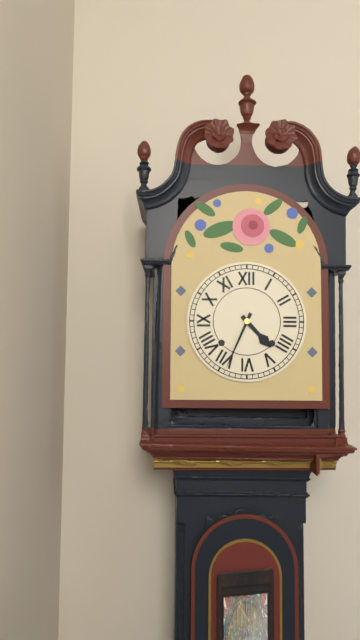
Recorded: h=4 m=34
